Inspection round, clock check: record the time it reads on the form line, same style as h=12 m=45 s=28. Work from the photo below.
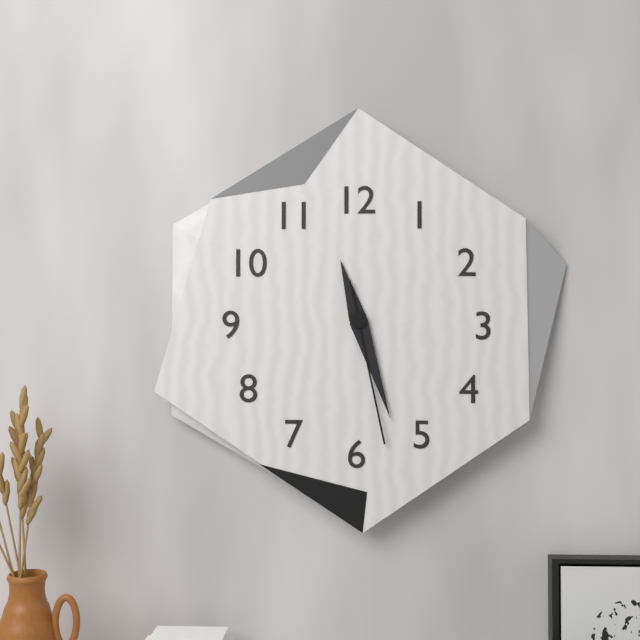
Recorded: h=11 m=27 s=28
